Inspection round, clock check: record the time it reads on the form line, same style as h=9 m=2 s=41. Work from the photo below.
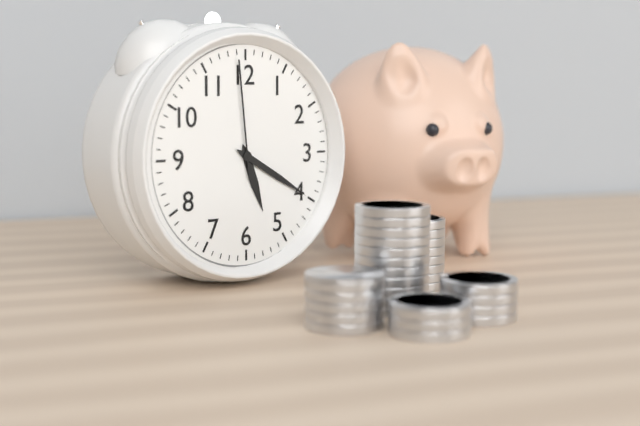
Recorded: h=5 m=20 s=59
